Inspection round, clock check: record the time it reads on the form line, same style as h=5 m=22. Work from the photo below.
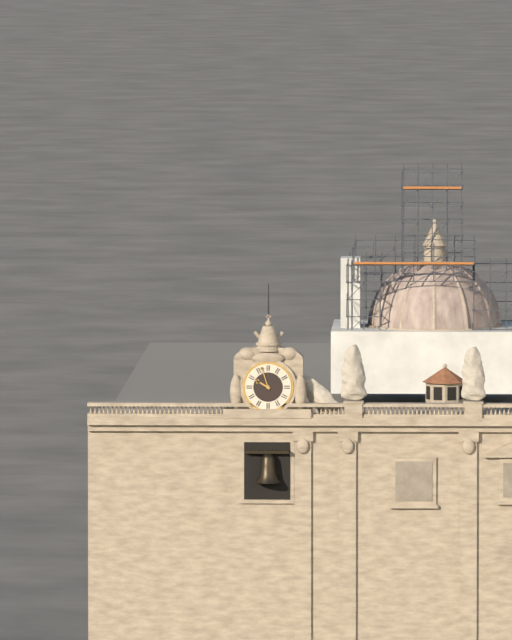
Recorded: h=9 m=57
